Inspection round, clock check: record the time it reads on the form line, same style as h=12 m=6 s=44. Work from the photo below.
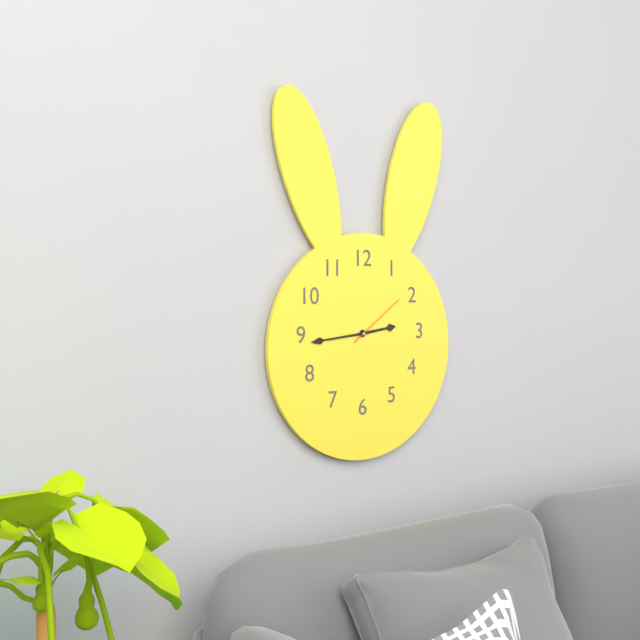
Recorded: h=2 m=44 s=9
